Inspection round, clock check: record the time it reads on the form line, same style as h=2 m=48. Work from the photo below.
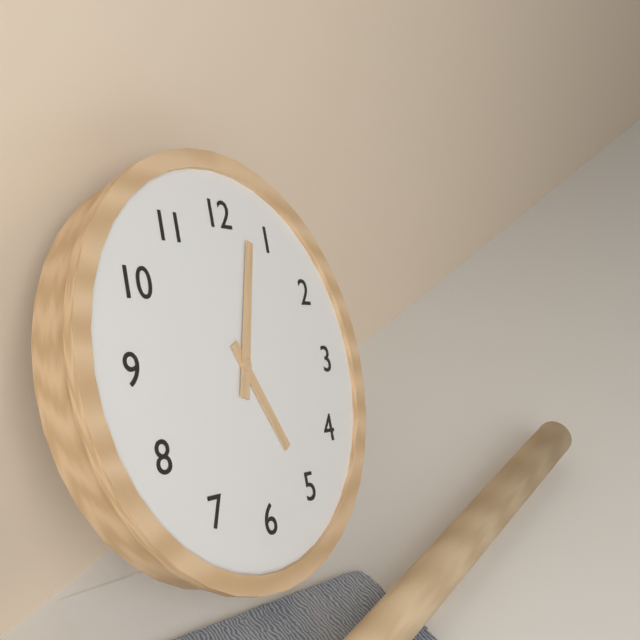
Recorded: h=5 m=3
